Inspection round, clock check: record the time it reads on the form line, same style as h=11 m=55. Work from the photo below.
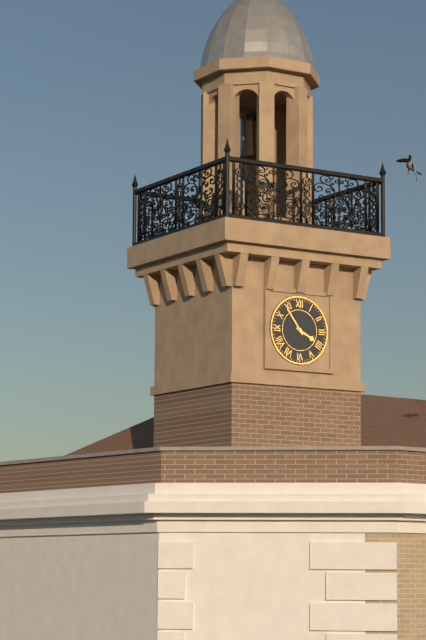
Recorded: h=3 m=54
